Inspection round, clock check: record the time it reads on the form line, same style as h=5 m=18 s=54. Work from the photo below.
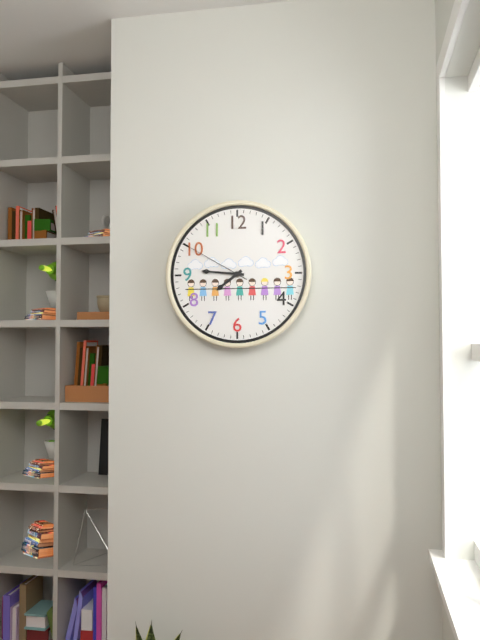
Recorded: h=7 m=46 s=50
